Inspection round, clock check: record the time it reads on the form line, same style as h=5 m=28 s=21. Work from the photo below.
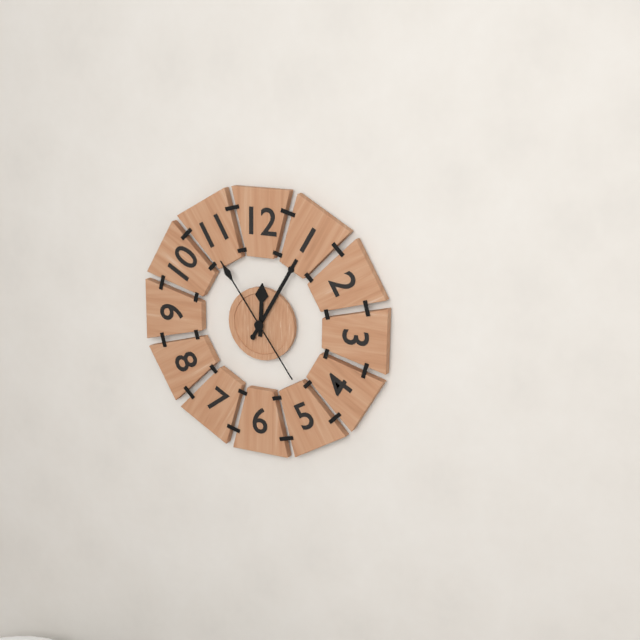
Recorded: h=12 m=5 s=54
